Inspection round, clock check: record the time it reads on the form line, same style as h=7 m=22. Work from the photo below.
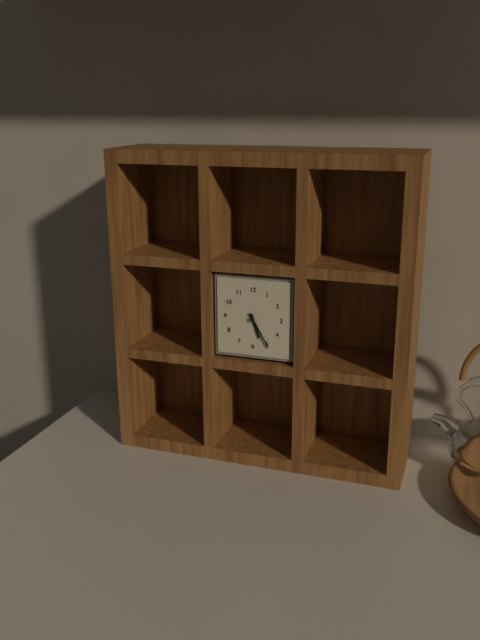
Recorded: h=5 m=25
